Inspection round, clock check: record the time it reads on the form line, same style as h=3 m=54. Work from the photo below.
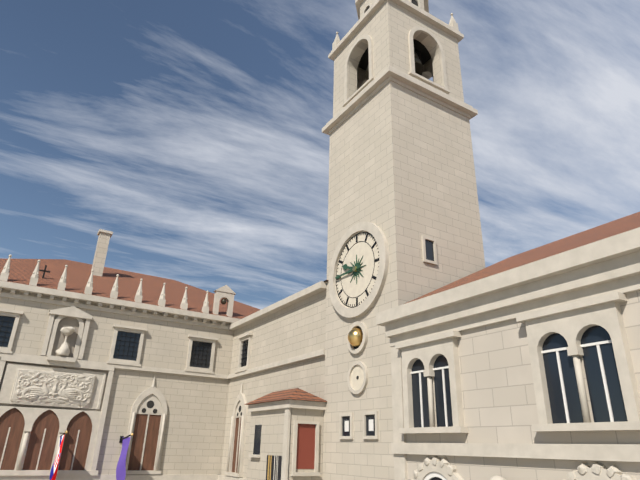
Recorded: h=9 m=45
